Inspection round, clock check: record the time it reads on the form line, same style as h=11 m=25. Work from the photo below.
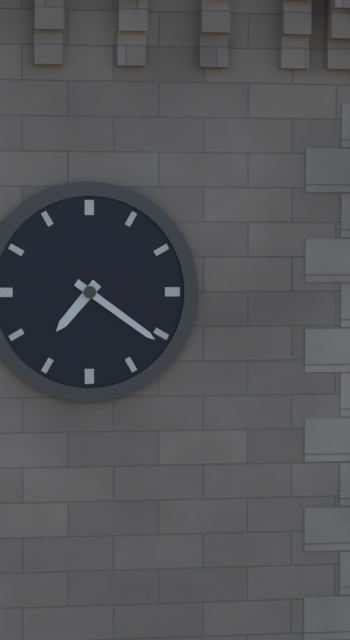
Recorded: h=7 m=21
